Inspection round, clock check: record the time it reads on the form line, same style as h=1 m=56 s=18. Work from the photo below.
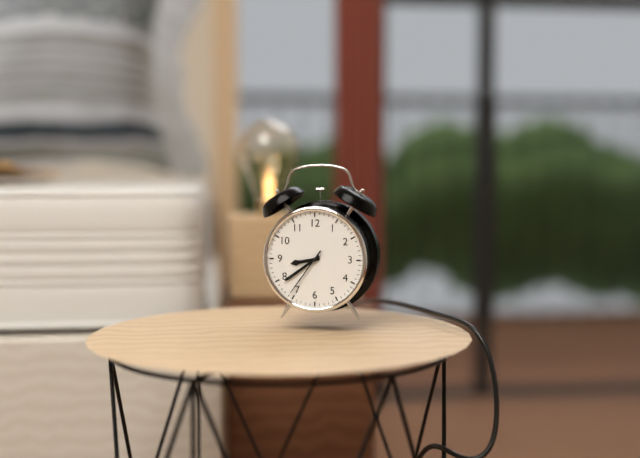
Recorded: h=8 m=39 s=36
